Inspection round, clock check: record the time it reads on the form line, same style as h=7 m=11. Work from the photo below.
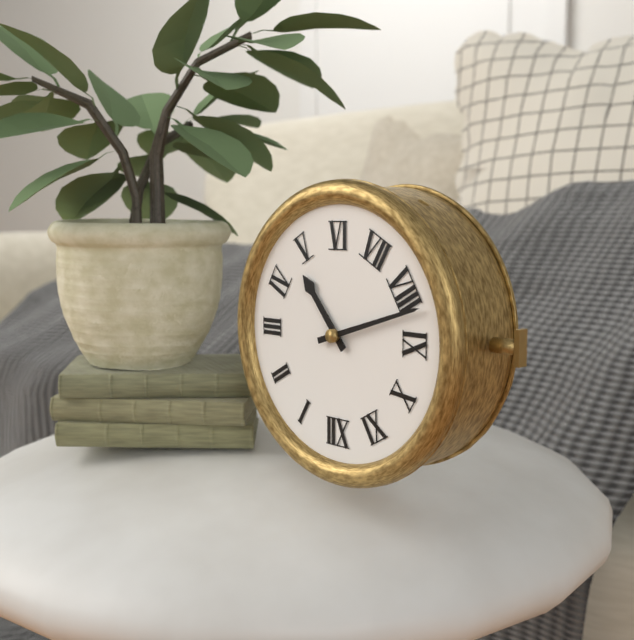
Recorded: h=4 m=42
